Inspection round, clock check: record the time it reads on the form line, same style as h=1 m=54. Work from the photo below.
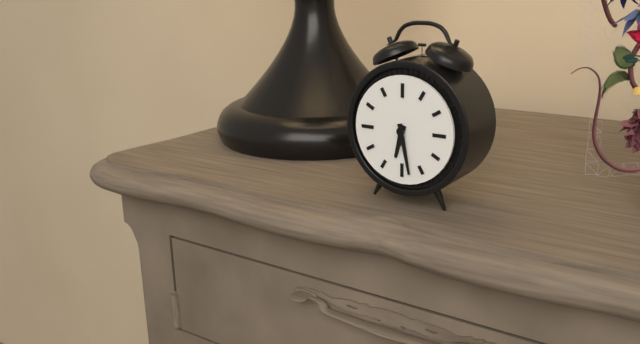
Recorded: h=6 m=28
